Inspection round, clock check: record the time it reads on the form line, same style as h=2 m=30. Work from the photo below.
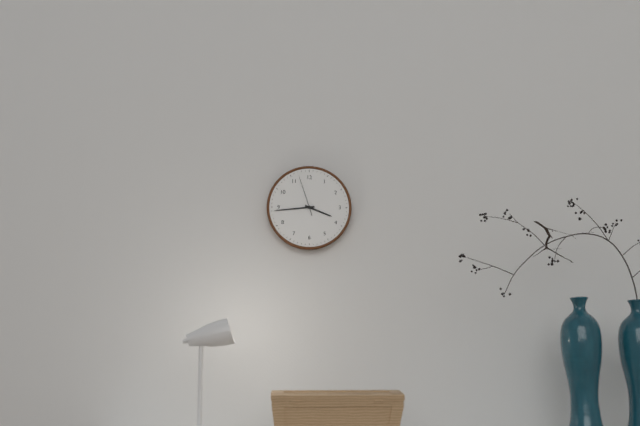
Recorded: h=3 m=44
